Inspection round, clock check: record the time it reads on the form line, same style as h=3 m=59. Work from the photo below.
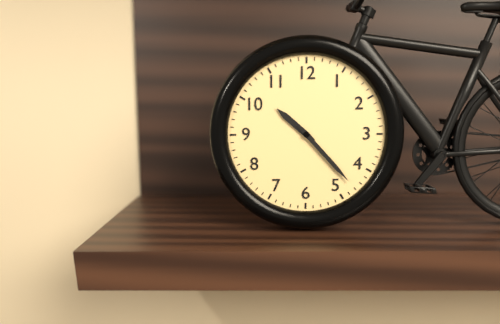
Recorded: h=10 m=23
